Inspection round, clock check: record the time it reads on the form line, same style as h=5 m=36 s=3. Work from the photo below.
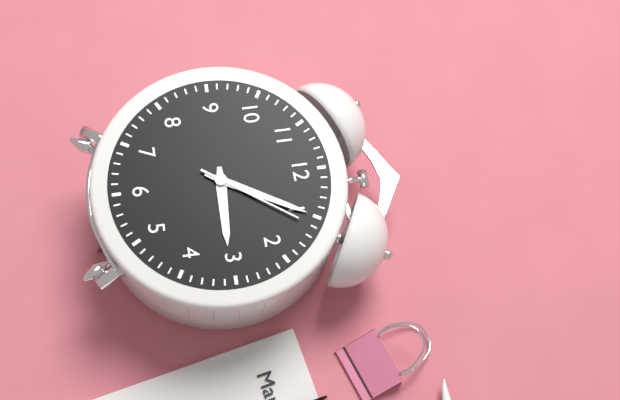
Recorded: h=3 m=5 s=6
